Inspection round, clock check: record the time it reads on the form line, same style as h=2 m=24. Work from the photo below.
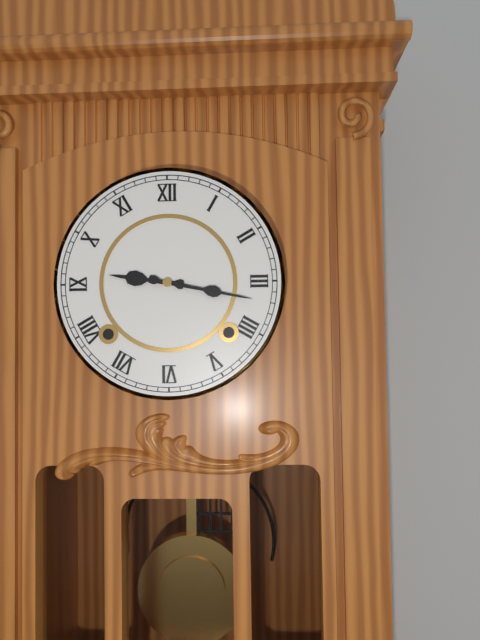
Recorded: h=9 m=17
